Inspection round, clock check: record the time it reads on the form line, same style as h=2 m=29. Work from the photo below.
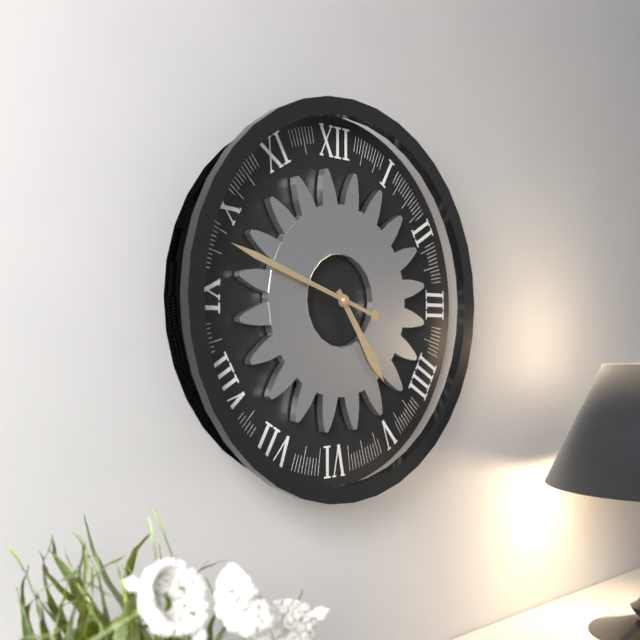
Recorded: h=4 m=48
